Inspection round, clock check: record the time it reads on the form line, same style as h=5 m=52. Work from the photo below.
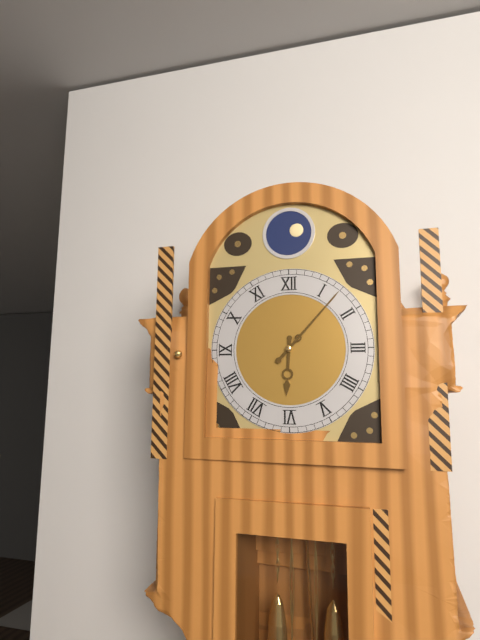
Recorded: h=6 m=7
